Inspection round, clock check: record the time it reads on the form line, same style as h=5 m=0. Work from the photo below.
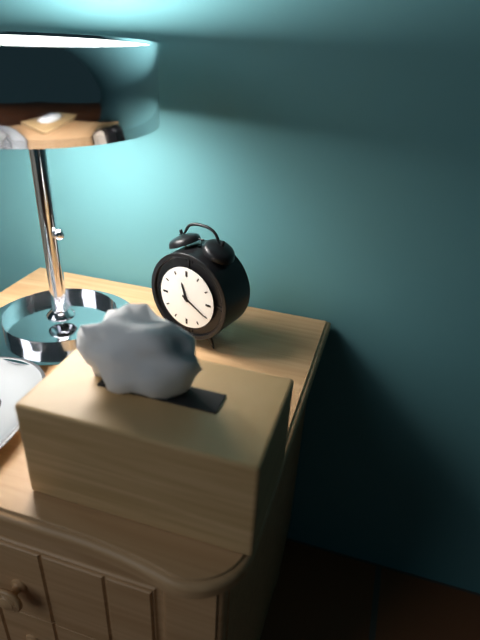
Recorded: h=11 m=20
